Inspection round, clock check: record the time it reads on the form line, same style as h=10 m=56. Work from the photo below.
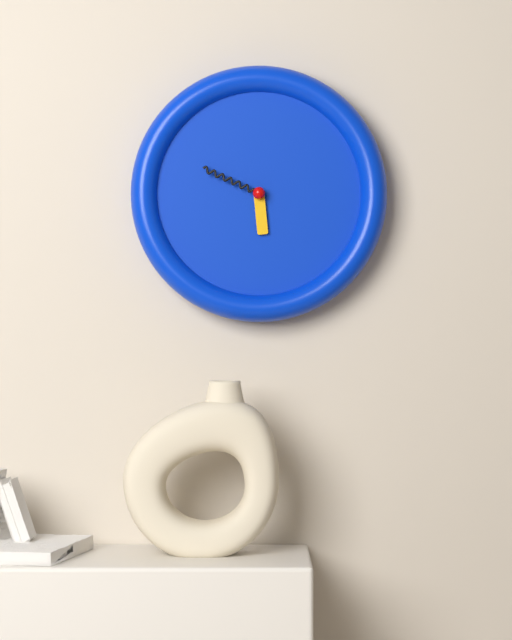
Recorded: h=5 m=49
